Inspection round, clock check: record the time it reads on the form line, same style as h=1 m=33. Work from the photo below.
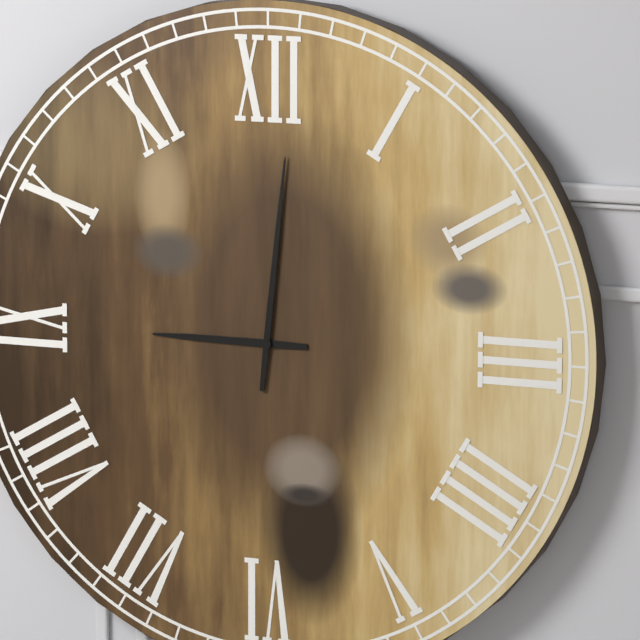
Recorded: h=9 m=1
